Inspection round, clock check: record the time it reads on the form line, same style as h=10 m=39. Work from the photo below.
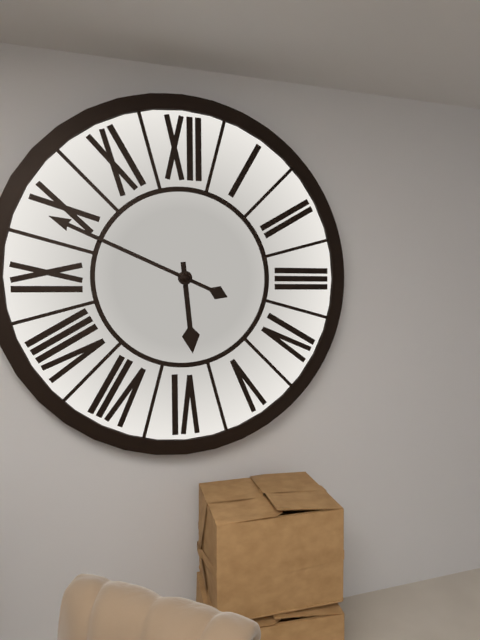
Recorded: h=5 m=49
